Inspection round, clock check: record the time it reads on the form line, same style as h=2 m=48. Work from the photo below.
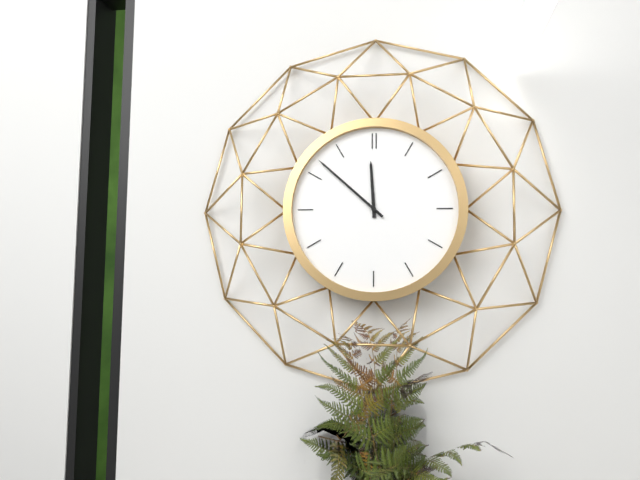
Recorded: h=11 m=52
